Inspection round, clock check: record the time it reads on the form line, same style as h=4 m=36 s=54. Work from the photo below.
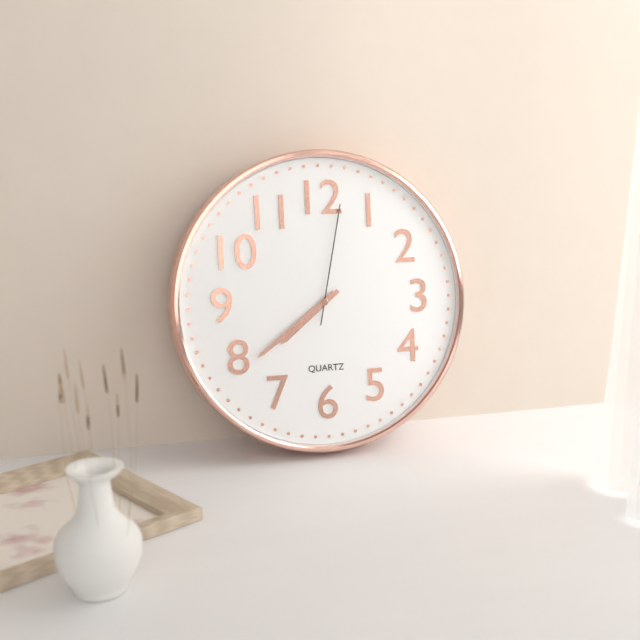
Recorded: h=7 m=39 s=2
